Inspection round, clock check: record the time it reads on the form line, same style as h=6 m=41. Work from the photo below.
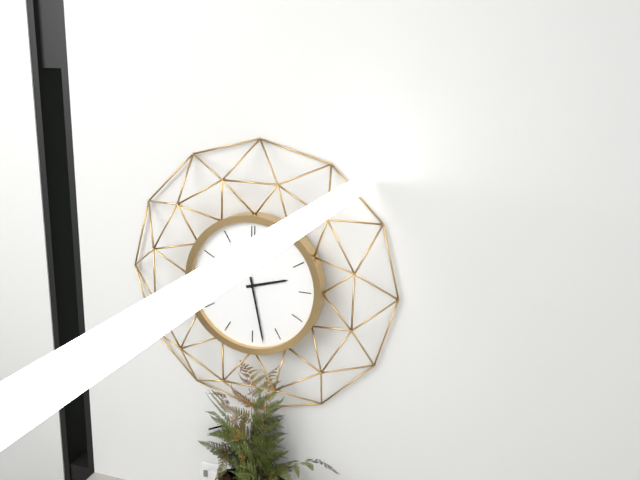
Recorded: h=2 m=28
